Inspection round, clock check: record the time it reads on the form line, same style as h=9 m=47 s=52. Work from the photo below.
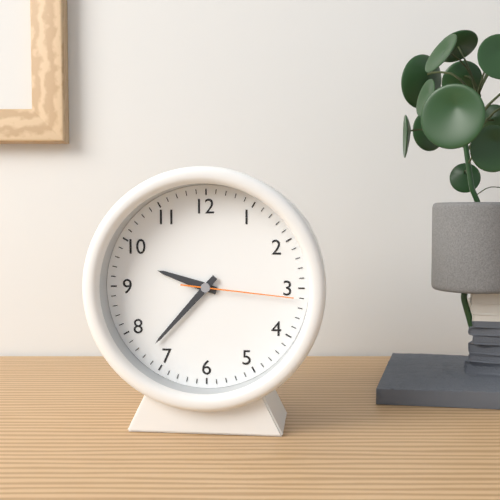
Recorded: h=9 m=37 s=16
